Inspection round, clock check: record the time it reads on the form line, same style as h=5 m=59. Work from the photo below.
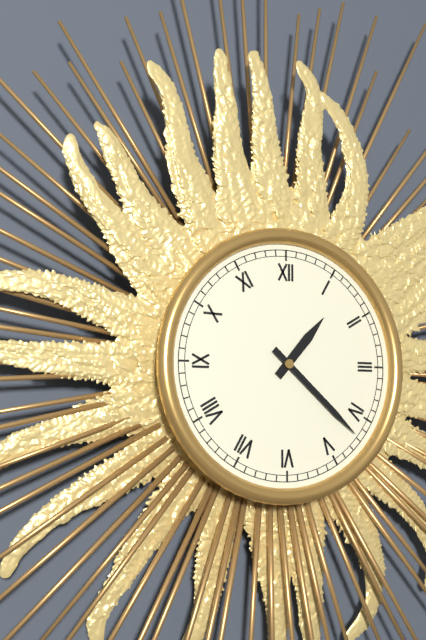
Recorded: h=1 m=22
